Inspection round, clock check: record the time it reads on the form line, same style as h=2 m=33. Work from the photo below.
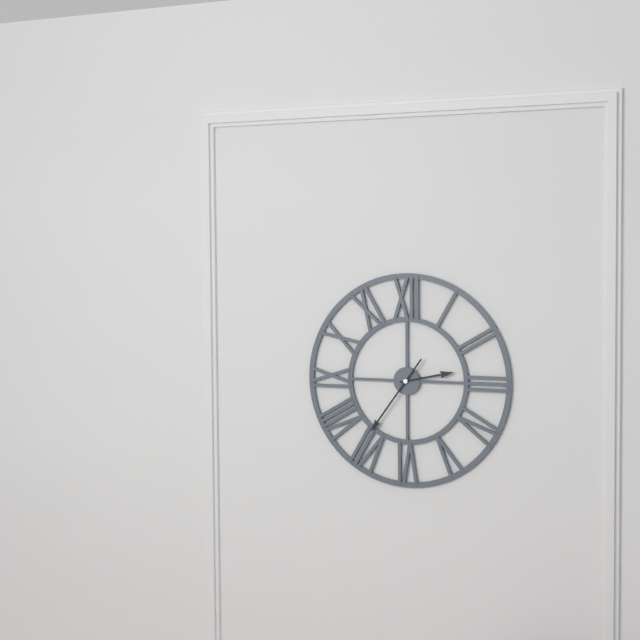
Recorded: h=2 m=36
